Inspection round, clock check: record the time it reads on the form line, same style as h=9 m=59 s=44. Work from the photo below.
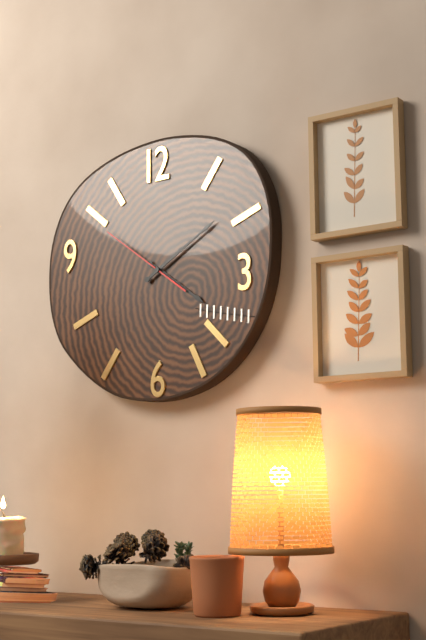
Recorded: h=4 m=10 s=51
